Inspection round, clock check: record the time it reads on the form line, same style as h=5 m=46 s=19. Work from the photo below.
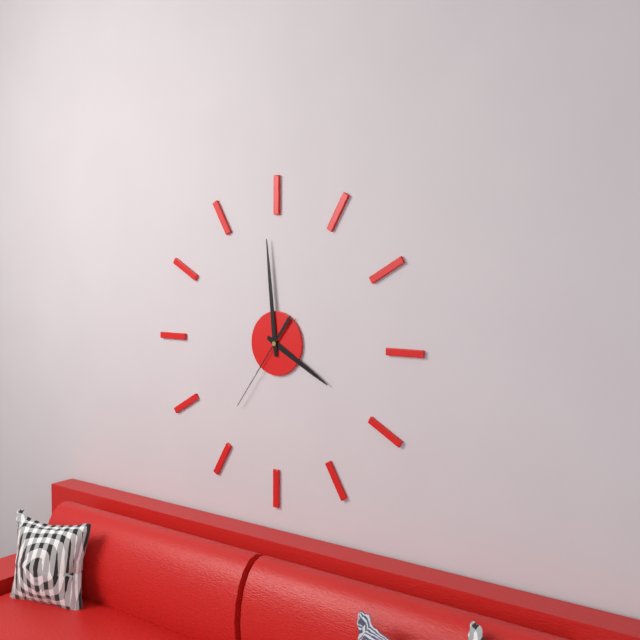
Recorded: h=3 m=59 s=36
